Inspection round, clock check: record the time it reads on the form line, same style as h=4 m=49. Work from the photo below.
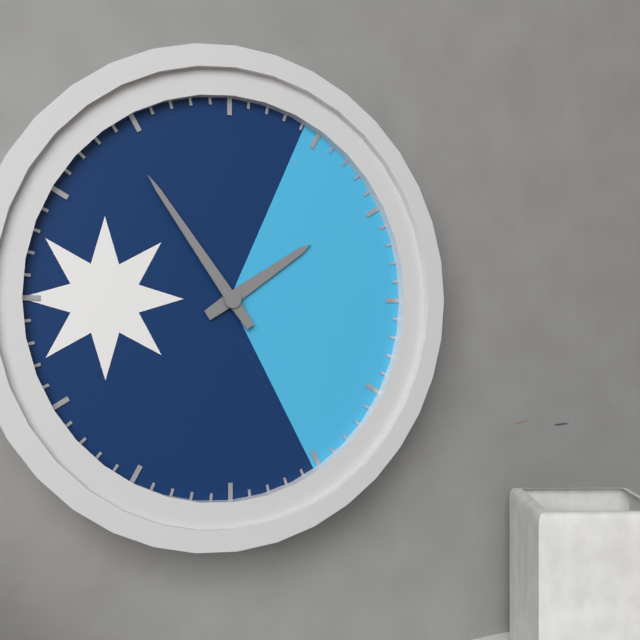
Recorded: h=1 m=54
